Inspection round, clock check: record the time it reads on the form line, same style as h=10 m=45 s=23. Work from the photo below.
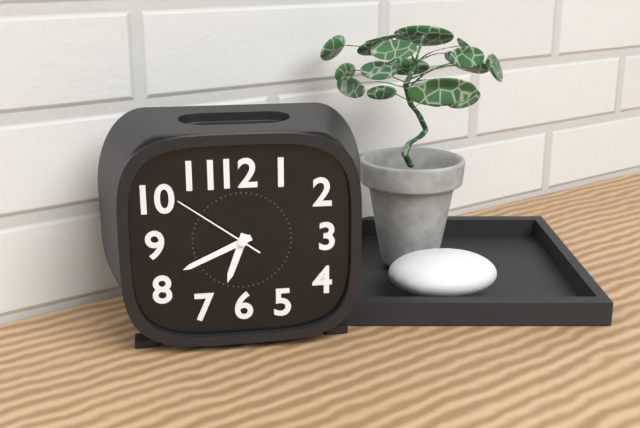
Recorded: h=6 m=41 s=51
